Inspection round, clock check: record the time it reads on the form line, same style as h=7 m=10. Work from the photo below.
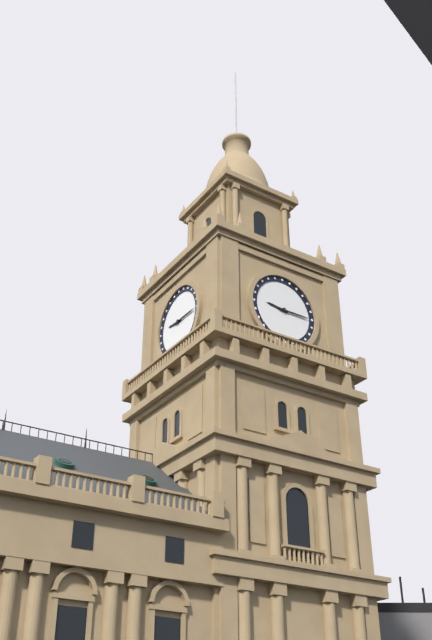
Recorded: h=9 m=15
